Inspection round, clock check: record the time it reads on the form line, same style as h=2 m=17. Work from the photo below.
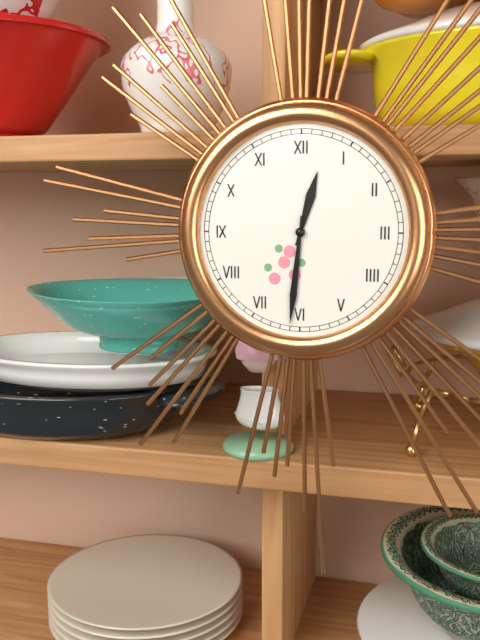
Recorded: h=12 m=31
